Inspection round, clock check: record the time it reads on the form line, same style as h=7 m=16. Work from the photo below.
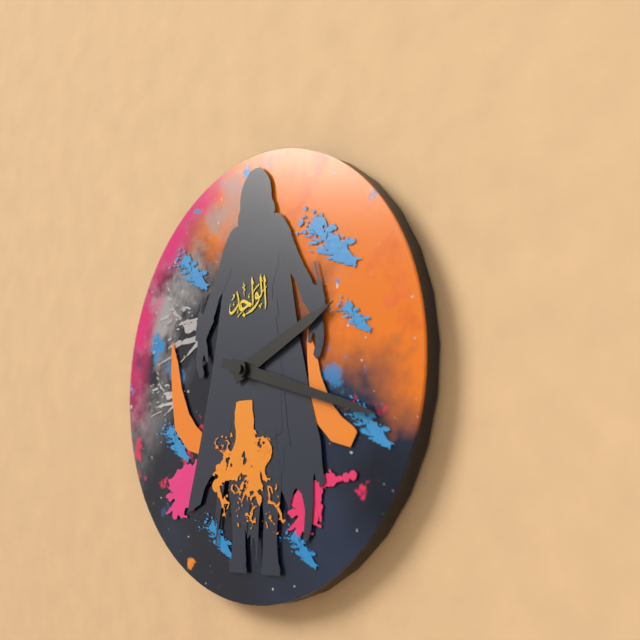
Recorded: h=2 m=18
